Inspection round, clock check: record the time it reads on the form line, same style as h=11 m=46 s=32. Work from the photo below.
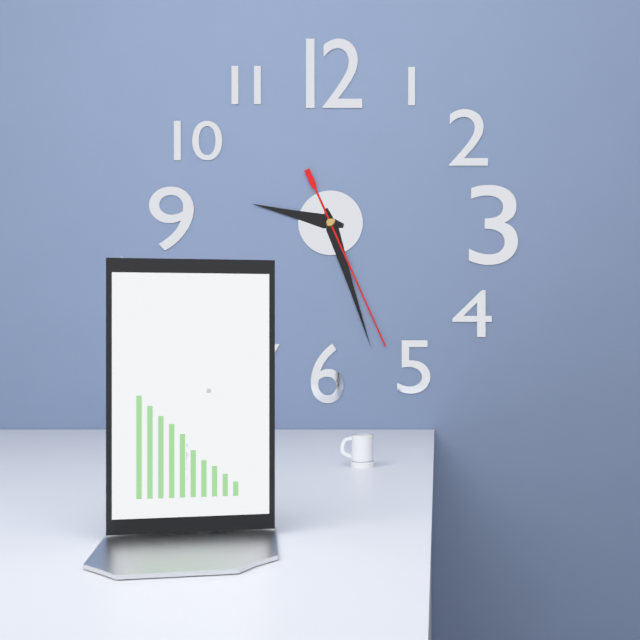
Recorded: h=9 m=27 s=26
